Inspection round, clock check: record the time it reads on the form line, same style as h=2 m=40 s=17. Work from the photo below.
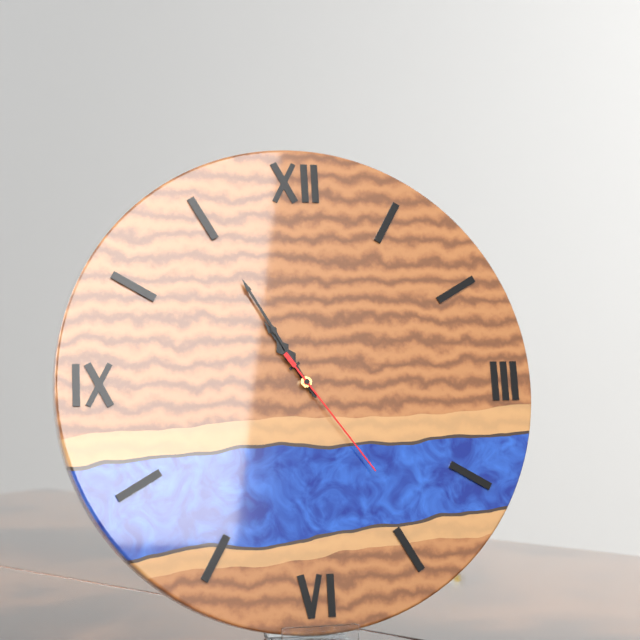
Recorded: h=10 m=55 s=24
